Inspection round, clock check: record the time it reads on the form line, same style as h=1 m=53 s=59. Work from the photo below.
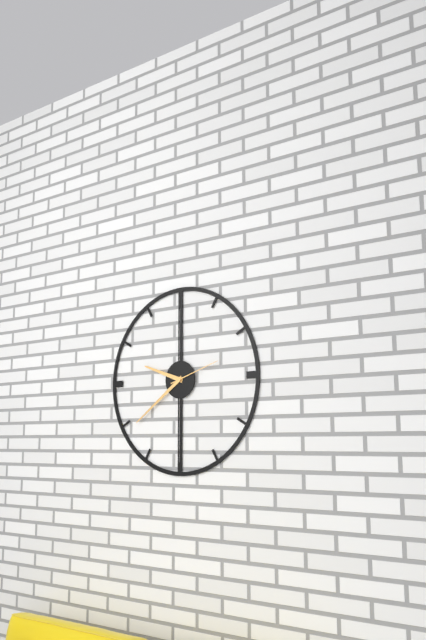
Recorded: h=9 m=39 s=12
